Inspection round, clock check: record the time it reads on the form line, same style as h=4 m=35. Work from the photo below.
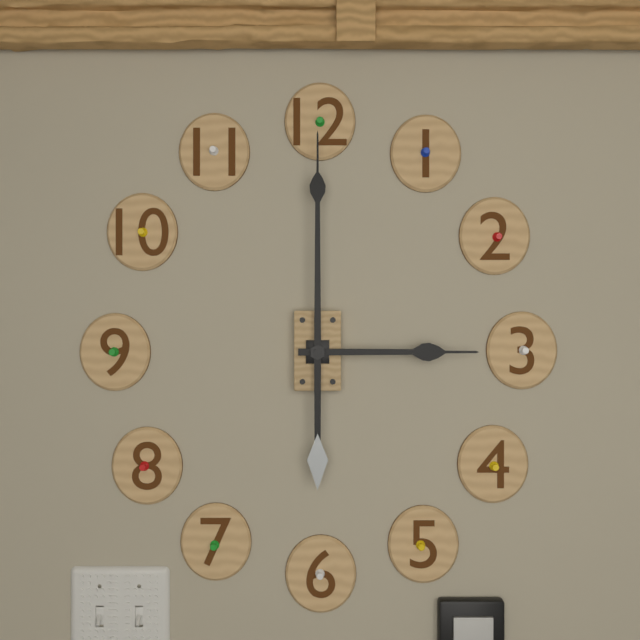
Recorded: h=3 m=0
